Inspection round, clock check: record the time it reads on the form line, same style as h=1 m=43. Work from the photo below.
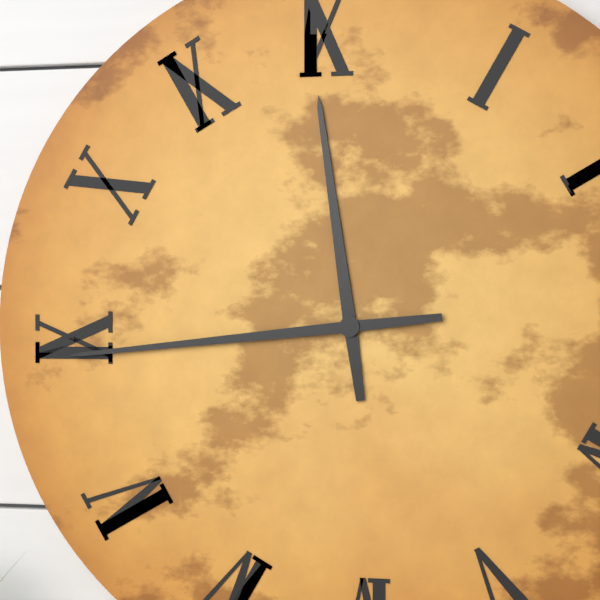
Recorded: h=11 m=44
